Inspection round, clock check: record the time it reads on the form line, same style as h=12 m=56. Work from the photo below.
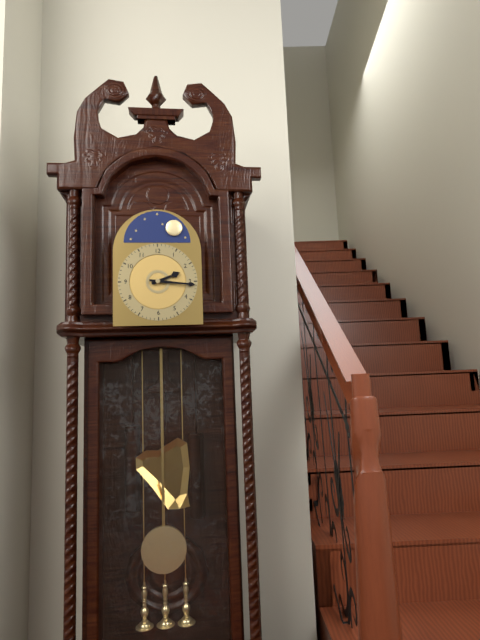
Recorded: h=2 m=16
